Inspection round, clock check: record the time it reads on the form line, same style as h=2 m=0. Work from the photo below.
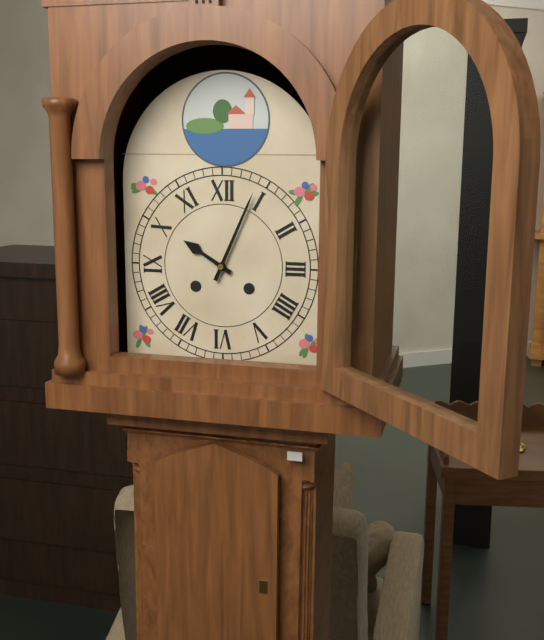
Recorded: h=10 m=4
